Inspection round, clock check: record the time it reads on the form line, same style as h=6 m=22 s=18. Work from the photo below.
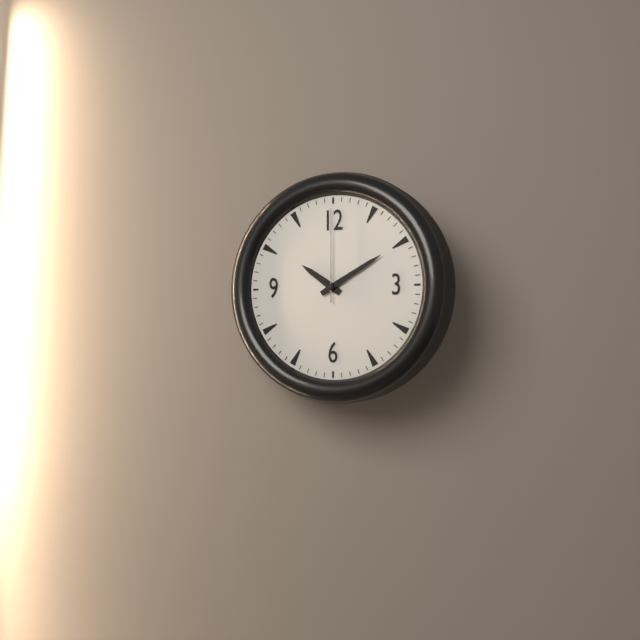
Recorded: h=10 m=10 s=0
